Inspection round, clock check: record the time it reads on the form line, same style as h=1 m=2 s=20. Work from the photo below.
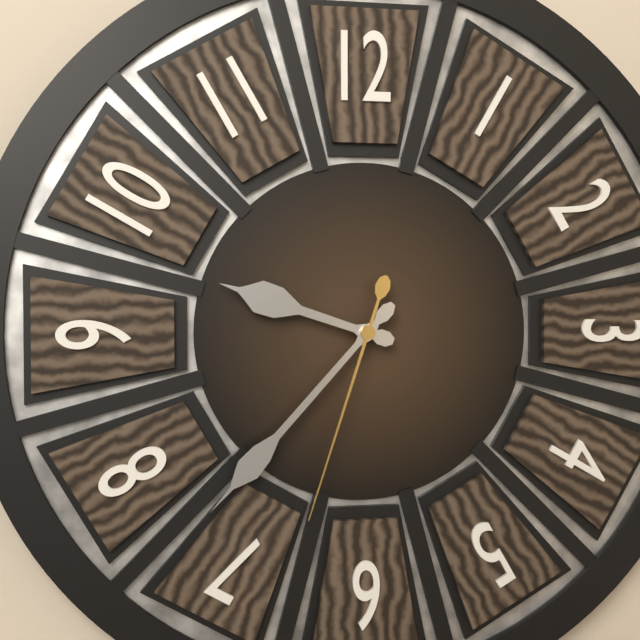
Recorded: h=9 m=37 s=33
